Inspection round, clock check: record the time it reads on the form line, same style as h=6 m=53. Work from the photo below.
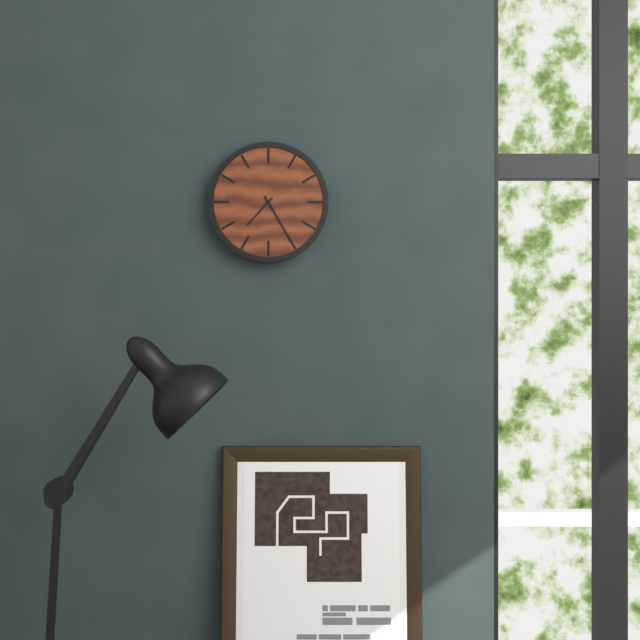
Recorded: h=7 m=25
